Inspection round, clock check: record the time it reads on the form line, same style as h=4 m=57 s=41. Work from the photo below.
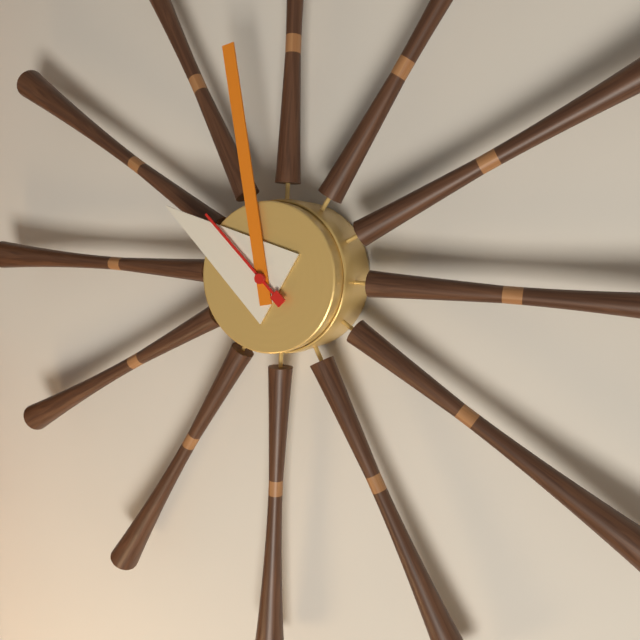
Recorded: h=9 m=58 s=52
